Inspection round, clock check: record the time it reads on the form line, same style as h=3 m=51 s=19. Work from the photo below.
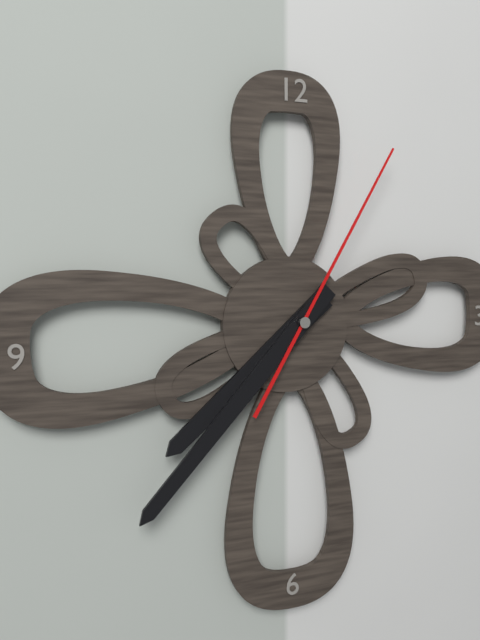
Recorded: h=7 m=37 s=5
